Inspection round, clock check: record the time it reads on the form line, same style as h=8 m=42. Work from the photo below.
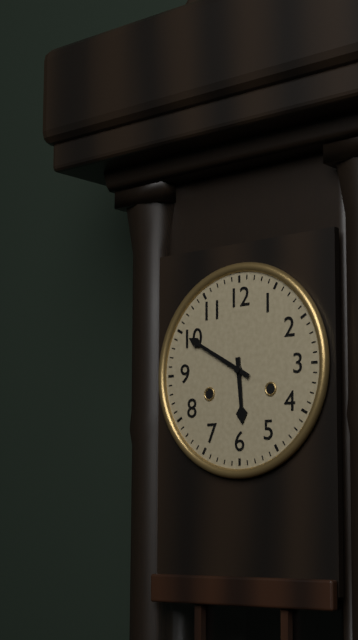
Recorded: h=5 m=50
